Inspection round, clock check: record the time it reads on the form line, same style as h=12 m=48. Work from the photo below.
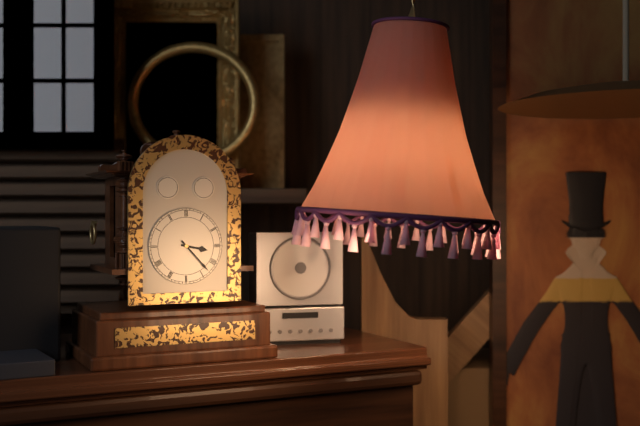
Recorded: h=3 m=23
